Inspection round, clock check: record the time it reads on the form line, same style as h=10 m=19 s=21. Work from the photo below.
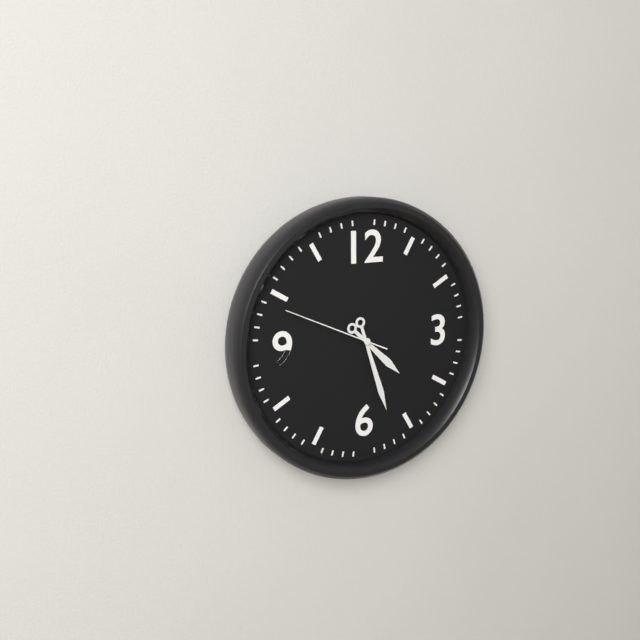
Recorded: h=4 m=27 s=49
